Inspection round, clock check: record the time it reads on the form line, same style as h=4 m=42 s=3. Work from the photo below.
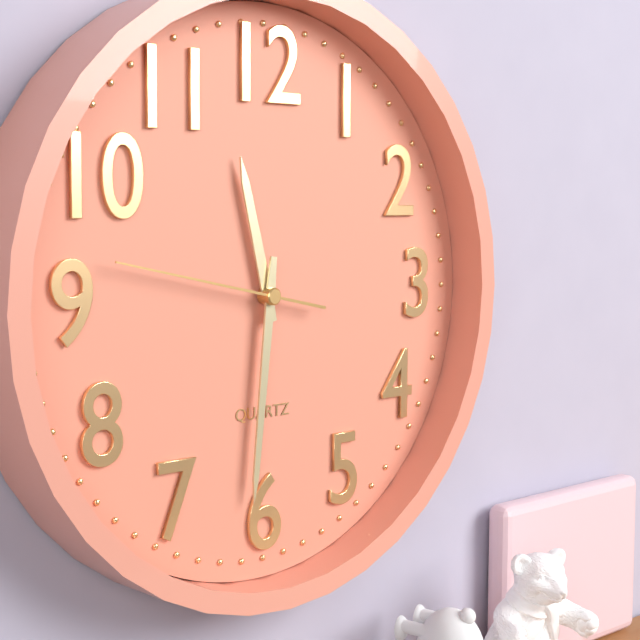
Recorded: h=11 m=31 s=47
